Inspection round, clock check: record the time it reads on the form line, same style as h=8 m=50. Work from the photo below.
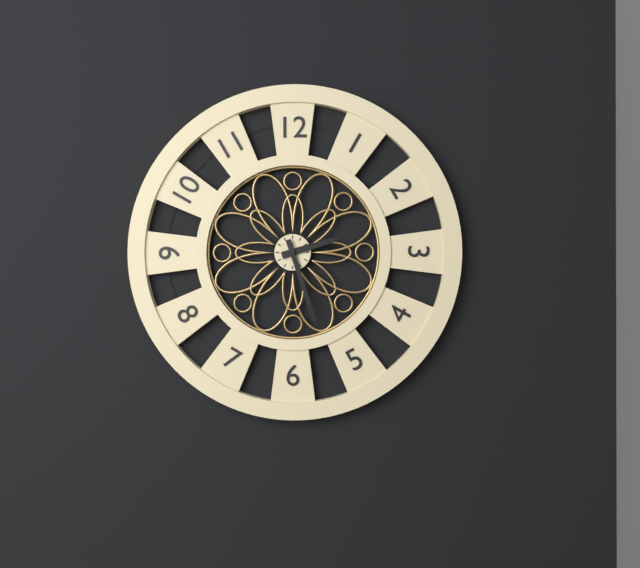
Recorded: h=2 m=27
